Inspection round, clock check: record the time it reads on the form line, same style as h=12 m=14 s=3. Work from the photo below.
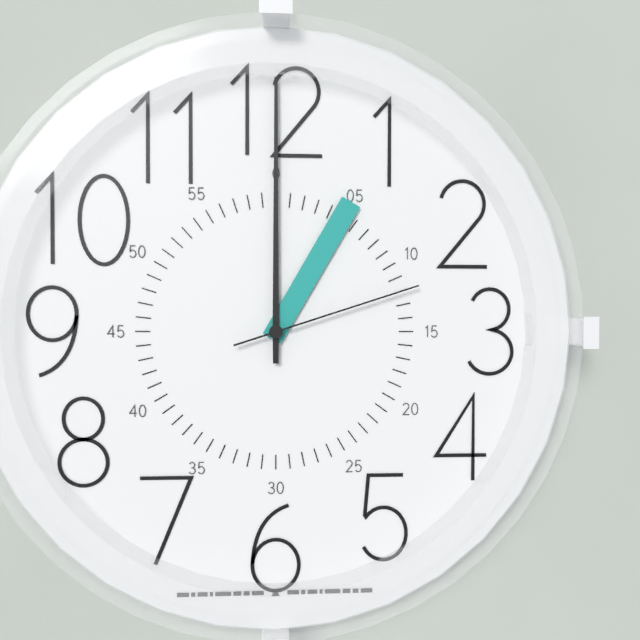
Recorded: h=1 m=0 s=12
